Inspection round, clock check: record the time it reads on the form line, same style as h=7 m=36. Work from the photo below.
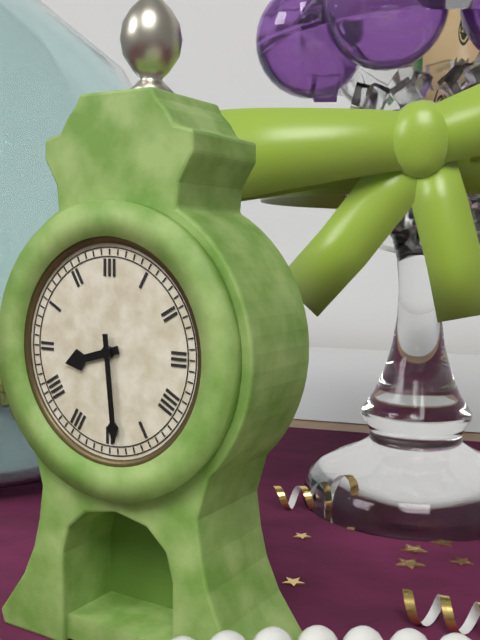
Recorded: h=8 m=29
